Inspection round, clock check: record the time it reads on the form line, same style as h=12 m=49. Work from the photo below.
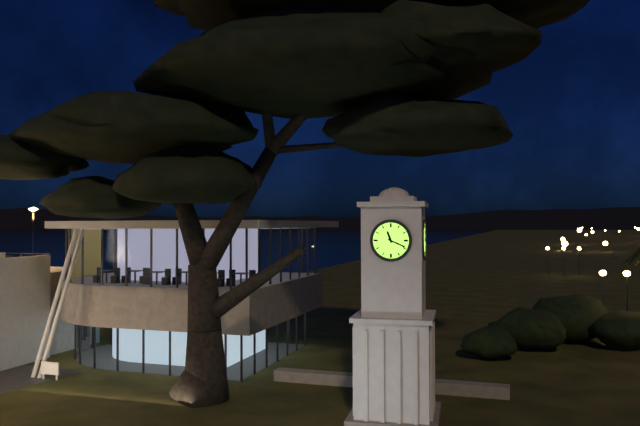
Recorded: h=11 m=19
